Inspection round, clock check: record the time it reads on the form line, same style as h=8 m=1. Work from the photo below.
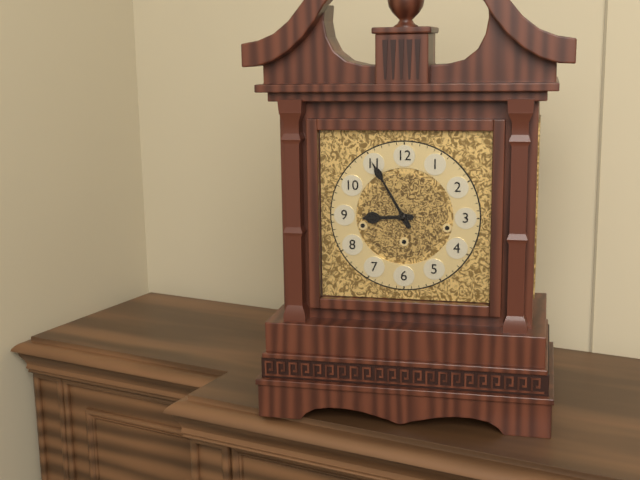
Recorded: h=8 m=55
